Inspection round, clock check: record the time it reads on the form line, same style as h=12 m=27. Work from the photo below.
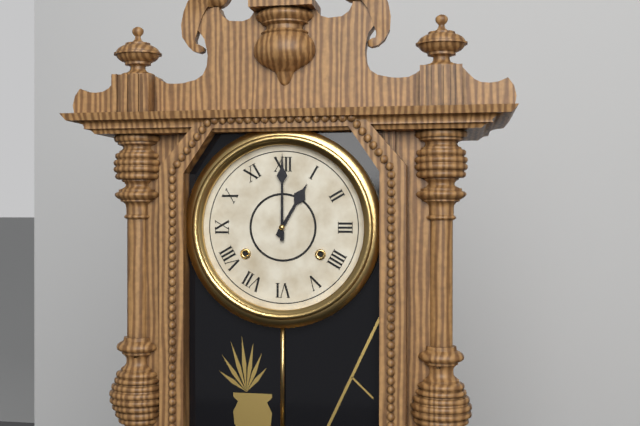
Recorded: h=1 m=0
